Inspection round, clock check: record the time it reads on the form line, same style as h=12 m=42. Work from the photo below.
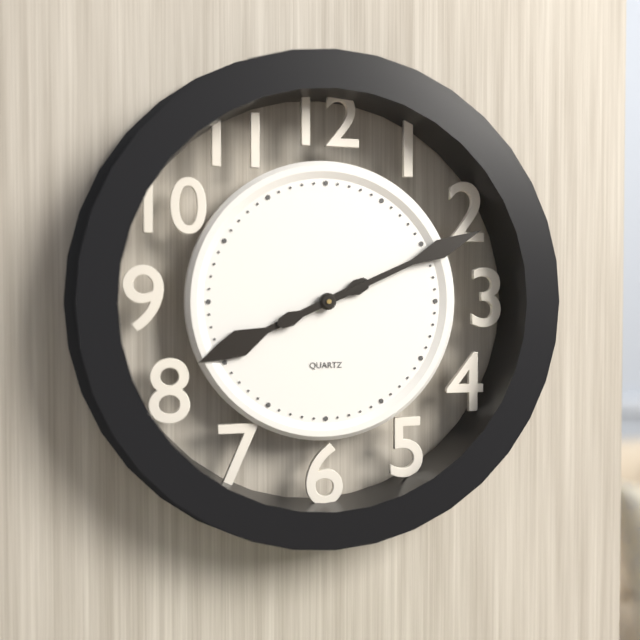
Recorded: h=8 m=11
